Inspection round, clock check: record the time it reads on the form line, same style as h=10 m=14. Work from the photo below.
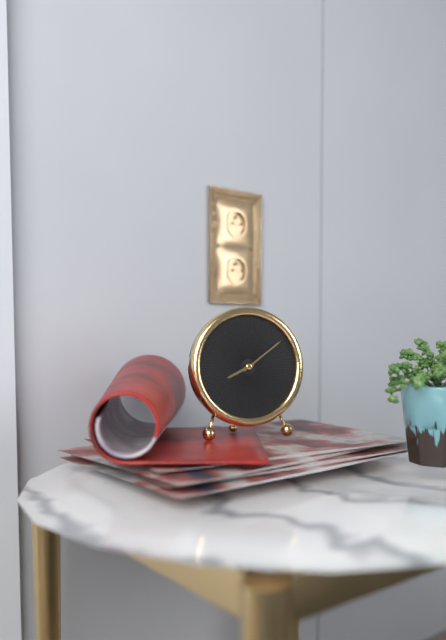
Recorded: h=8 m=9
